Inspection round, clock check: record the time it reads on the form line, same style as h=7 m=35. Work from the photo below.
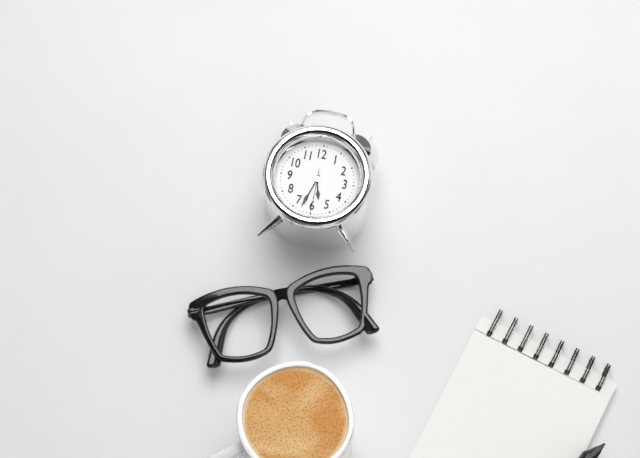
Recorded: h=5 m=33
